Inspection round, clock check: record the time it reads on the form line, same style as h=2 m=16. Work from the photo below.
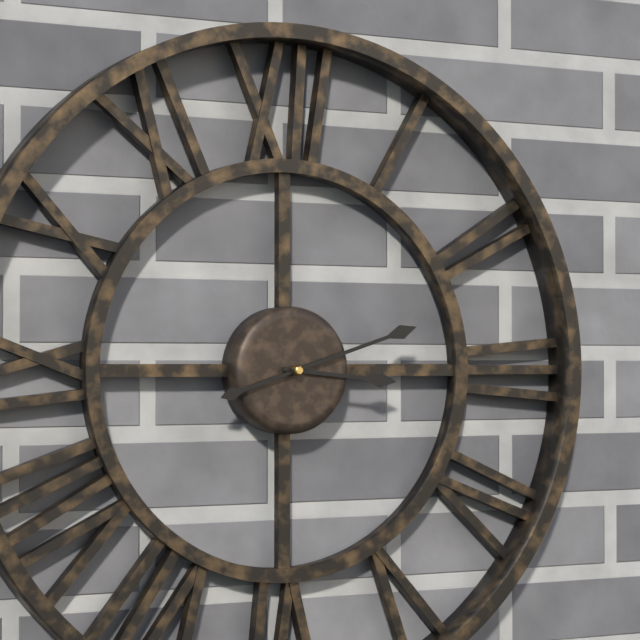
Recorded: h=3 m=12
